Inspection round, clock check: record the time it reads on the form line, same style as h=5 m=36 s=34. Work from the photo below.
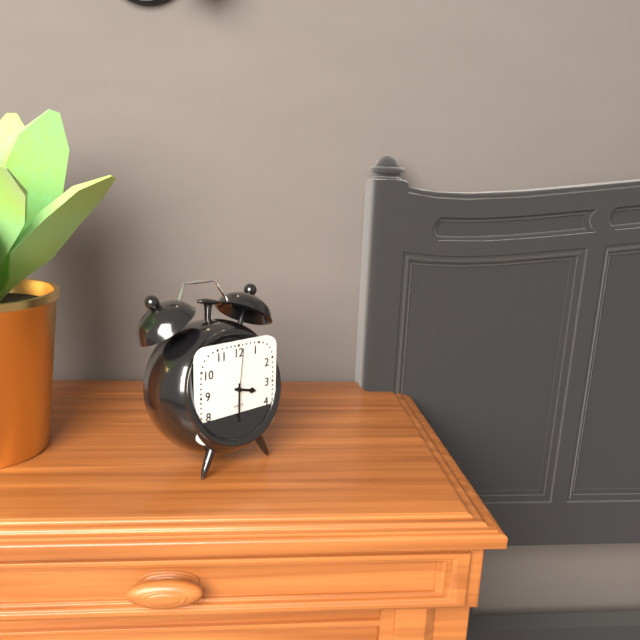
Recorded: h=3 m=30 s=1
